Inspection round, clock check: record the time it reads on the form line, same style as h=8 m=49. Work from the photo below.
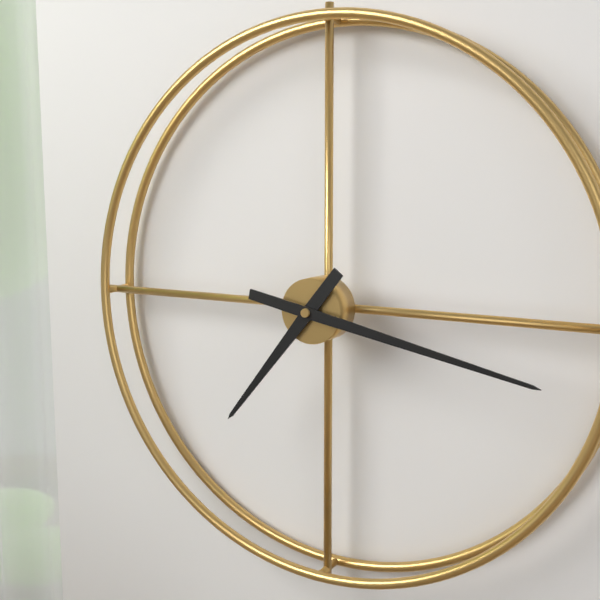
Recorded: h=7 m=17
